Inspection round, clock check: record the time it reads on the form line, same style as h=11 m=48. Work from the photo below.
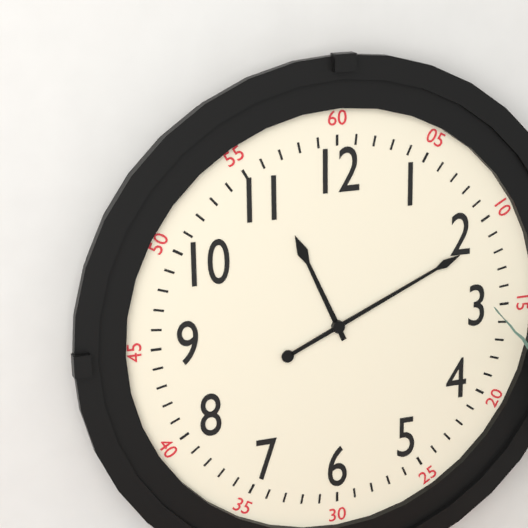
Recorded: h=11 m=11
